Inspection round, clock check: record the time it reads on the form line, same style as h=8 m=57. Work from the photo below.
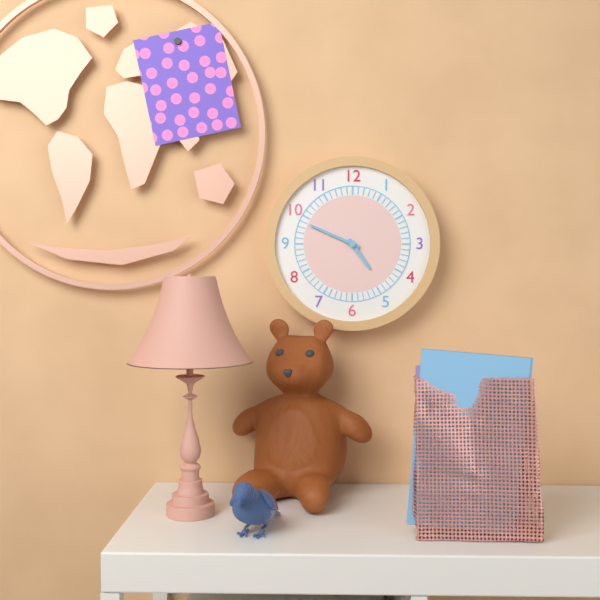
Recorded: h=4 m=49
